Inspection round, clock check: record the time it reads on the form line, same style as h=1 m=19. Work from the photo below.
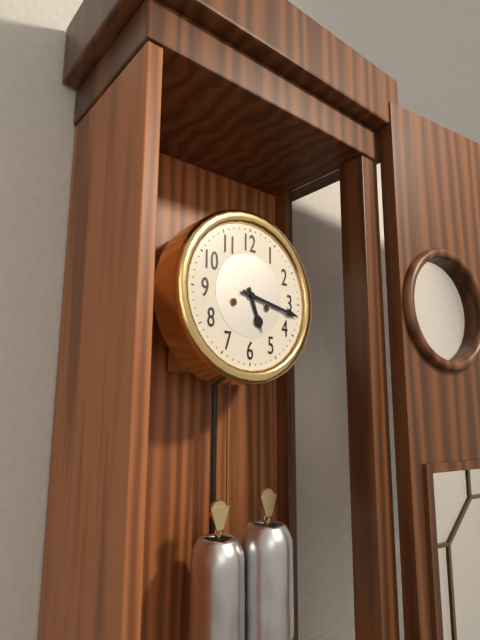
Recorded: h=5 m=17
